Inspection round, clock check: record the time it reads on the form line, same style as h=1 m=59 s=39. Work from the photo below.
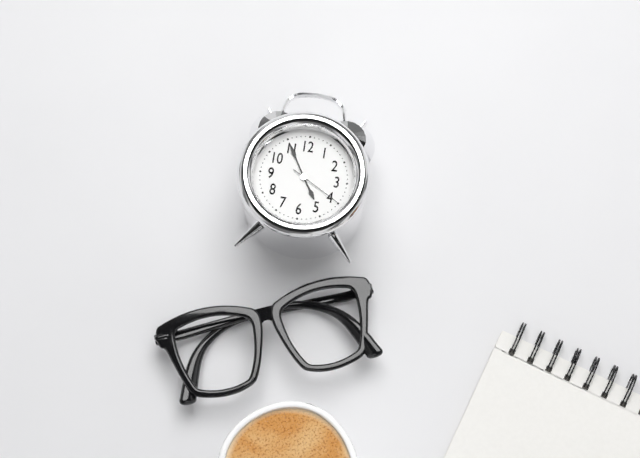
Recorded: h=4 m=55 s=20
